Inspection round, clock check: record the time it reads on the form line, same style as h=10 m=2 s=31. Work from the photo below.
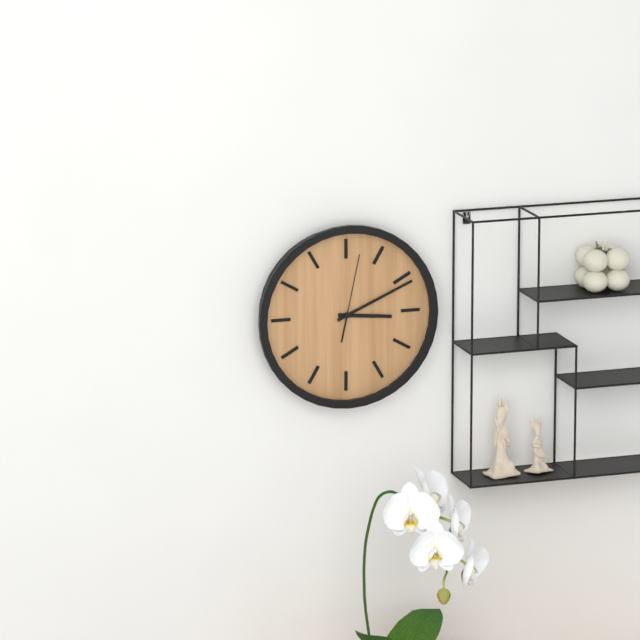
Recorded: h=3 m=11 s=2
